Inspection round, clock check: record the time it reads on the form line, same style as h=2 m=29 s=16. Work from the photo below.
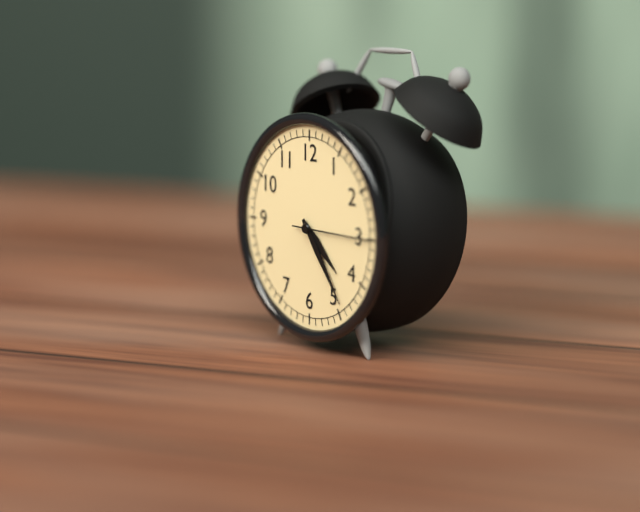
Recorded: h=4 m=24 s=15
